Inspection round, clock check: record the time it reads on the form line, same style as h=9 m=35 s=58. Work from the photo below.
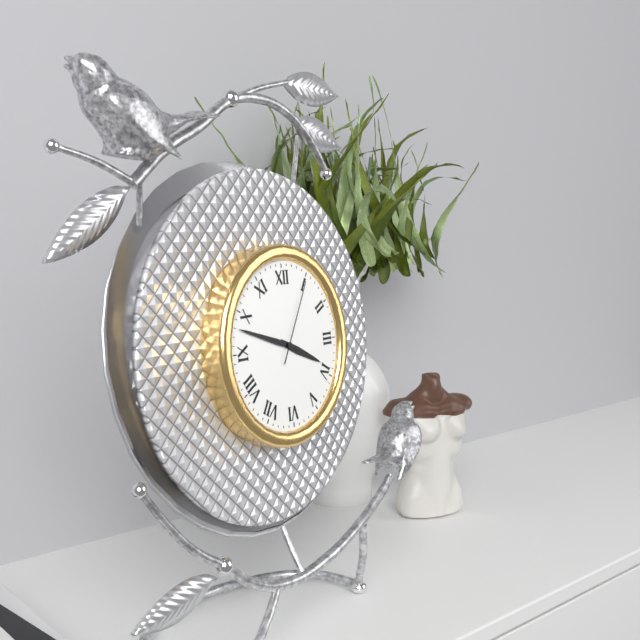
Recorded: h=3 m=48 s=5
